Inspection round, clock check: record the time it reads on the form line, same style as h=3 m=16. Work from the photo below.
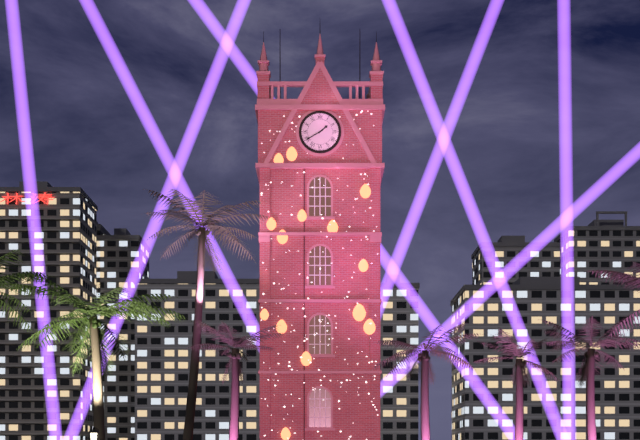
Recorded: h=1 m=40
